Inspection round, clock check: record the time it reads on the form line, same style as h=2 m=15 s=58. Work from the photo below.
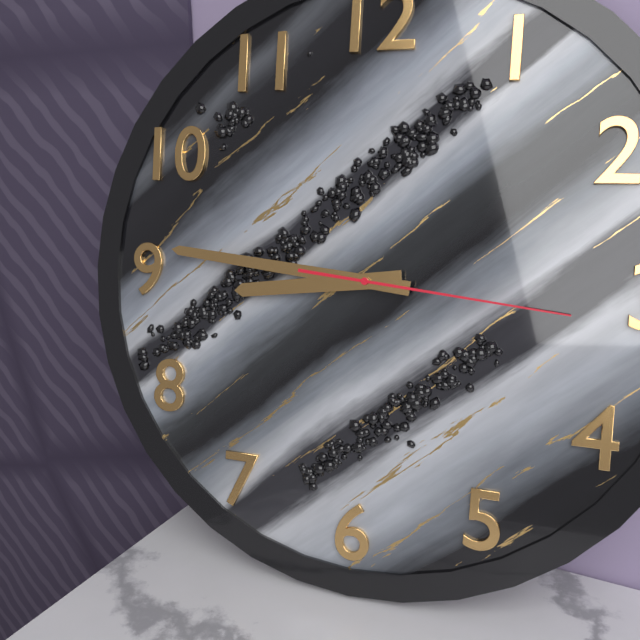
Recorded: h=8 m=46 s=16
